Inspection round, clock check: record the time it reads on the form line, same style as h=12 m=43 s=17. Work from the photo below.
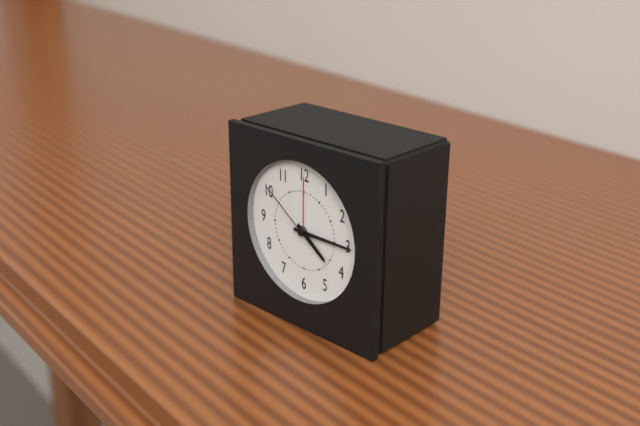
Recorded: h=4 m=15 s=51
